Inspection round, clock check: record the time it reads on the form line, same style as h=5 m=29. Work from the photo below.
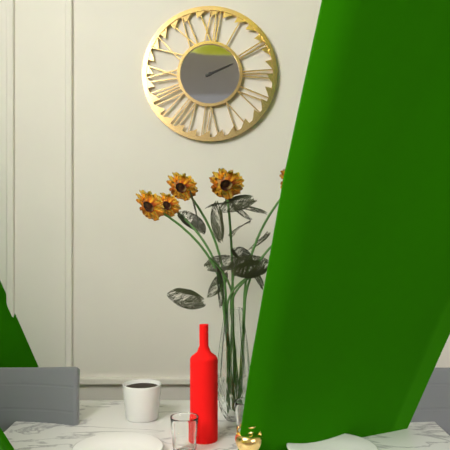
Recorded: h=2 m=11
